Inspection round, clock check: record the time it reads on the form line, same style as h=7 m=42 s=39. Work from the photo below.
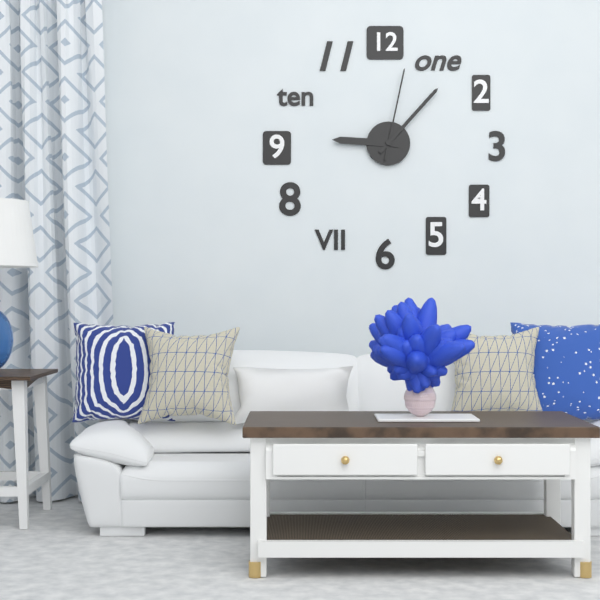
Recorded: h=9 m=7 s=2
